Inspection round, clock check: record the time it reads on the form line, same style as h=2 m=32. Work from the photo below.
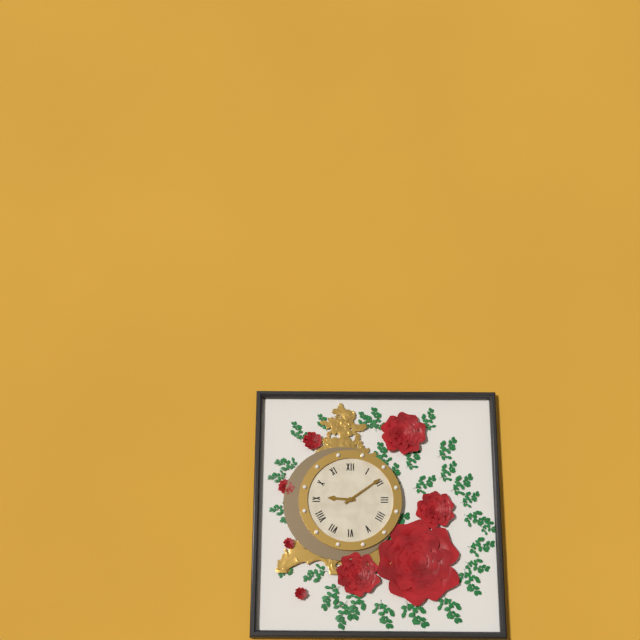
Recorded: h=9 m=9
